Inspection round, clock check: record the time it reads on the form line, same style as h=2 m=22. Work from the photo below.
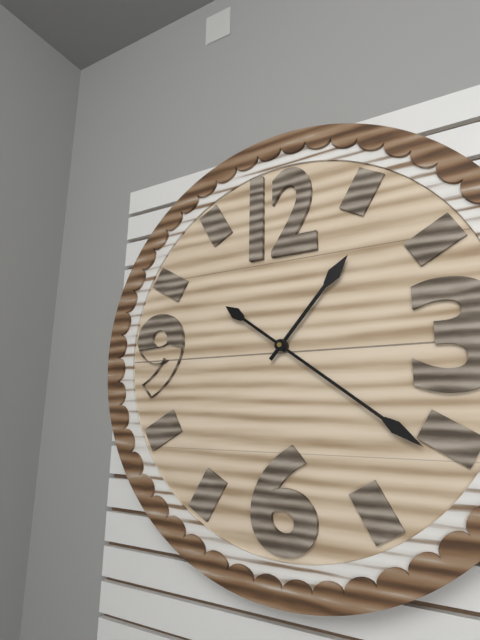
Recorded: h=1 m=21
